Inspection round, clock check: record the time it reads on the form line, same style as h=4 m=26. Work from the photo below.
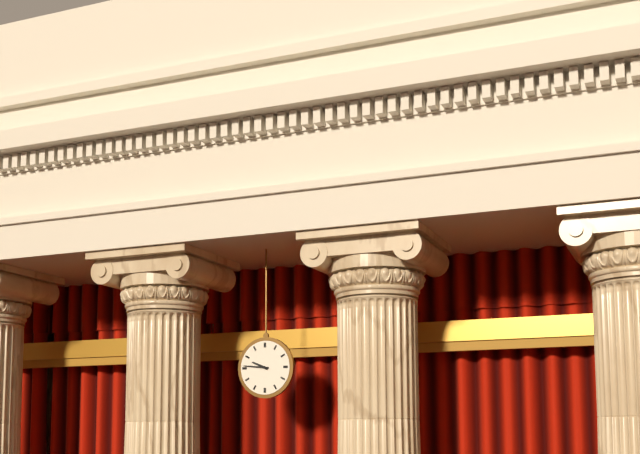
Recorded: h=9 m=46
